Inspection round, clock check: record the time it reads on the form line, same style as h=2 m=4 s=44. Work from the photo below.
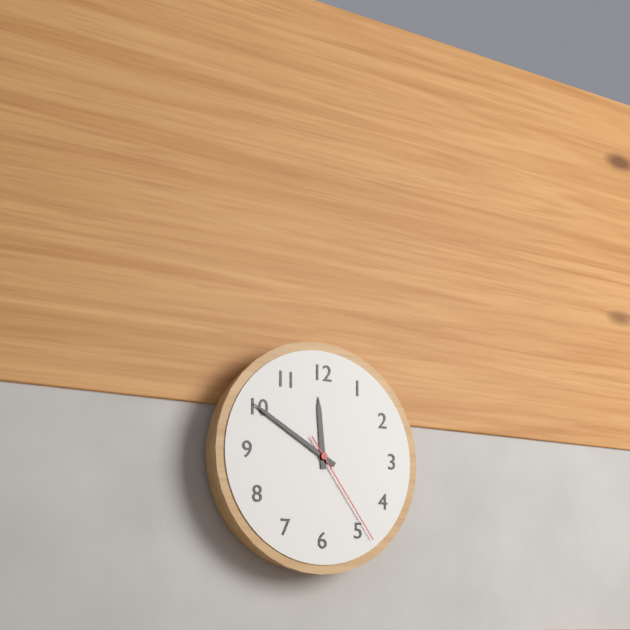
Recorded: h=11 m=50 s=24
